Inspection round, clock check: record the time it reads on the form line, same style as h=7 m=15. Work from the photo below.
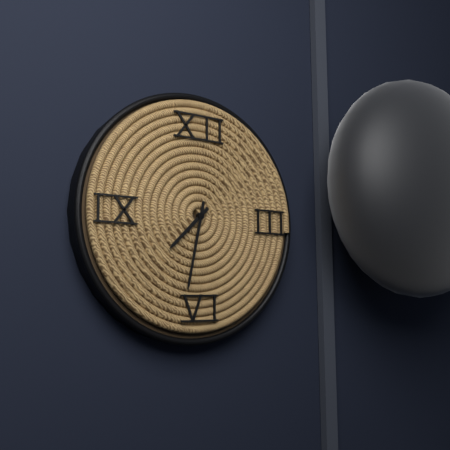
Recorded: h=7 m=32
